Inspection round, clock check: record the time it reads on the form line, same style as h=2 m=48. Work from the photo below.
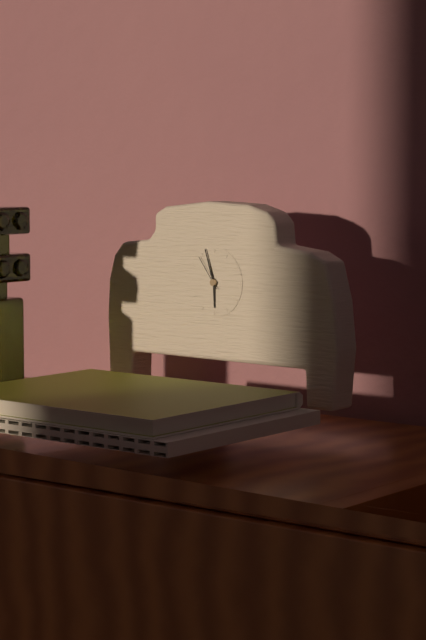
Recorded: h=5 m=57
